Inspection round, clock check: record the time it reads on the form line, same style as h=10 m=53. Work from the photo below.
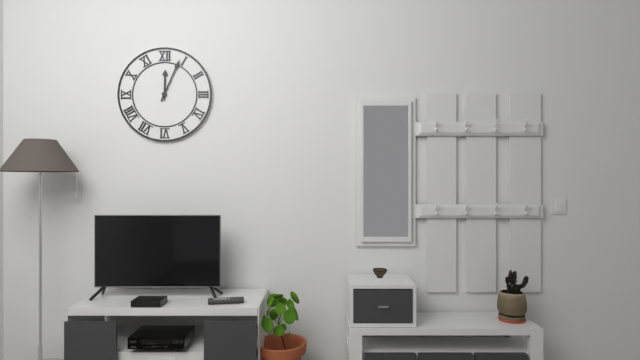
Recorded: h=12 m=4
